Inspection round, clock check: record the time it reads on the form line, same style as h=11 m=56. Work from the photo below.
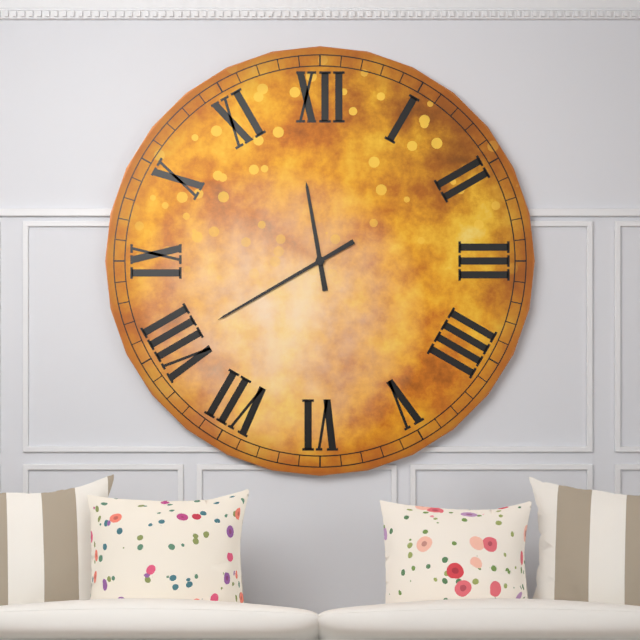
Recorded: h=11 m=40
